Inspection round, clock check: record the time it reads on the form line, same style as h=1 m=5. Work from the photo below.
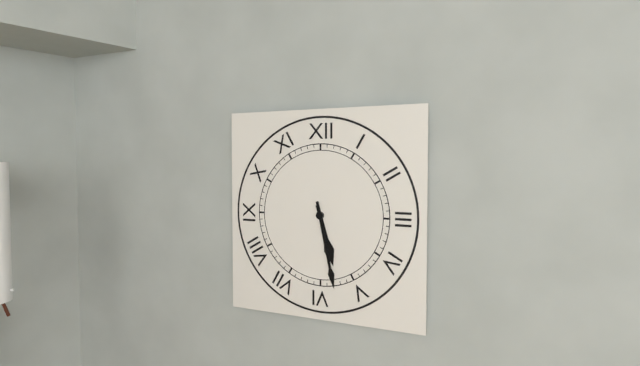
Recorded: h=5 m=28
